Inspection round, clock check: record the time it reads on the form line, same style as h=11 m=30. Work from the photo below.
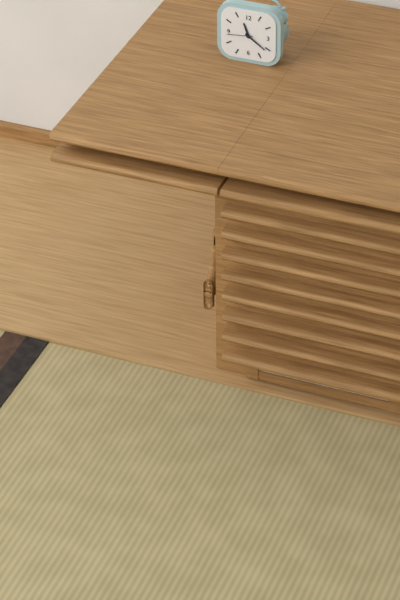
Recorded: h=11 m=21
